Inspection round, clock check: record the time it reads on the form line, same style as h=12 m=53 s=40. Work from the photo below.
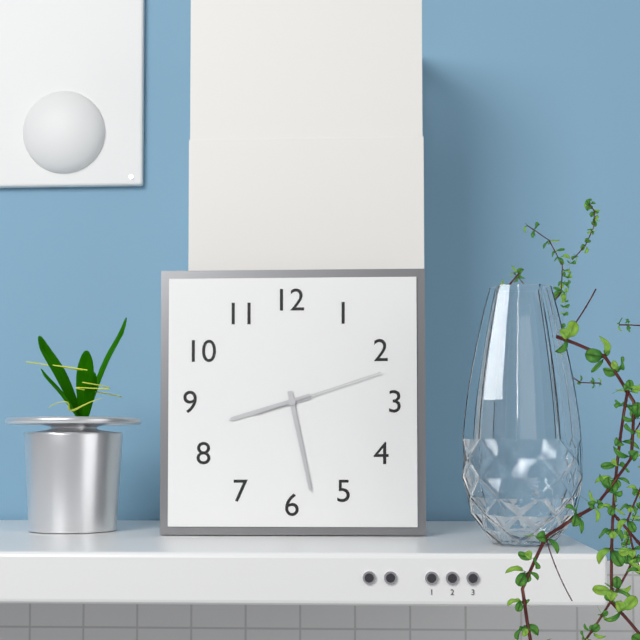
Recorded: h=8 m=28 s=12
